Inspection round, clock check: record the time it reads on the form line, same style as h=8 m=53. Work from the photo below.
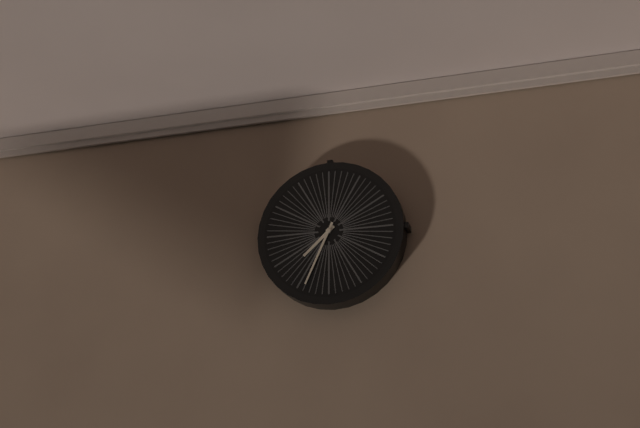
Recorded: h=7 m=34
